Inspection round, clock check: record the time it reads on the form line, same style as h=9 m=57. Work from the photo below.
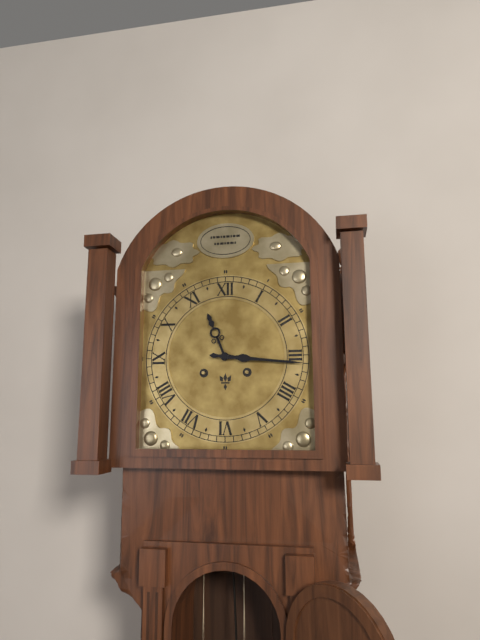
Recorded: h=11 m=16
